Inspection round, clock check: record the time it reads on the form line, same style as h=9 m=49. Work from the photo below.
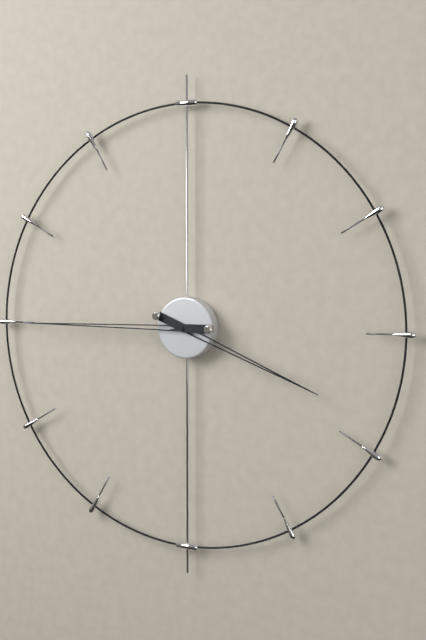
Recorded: h=3 m=45
